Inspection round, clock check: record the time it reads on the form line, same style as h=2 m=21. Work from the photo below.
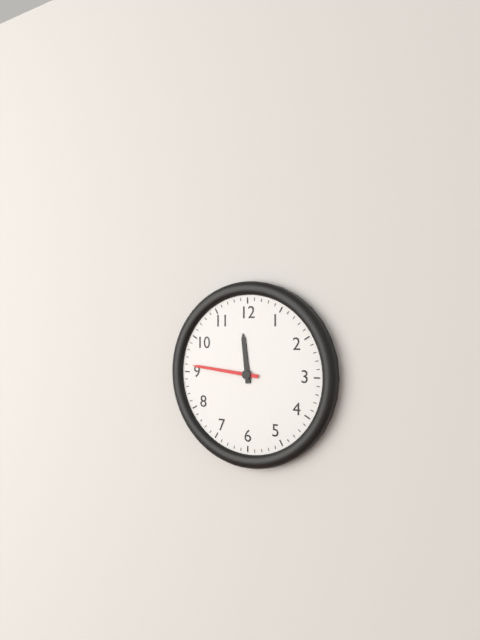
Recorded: h=11 m=46
